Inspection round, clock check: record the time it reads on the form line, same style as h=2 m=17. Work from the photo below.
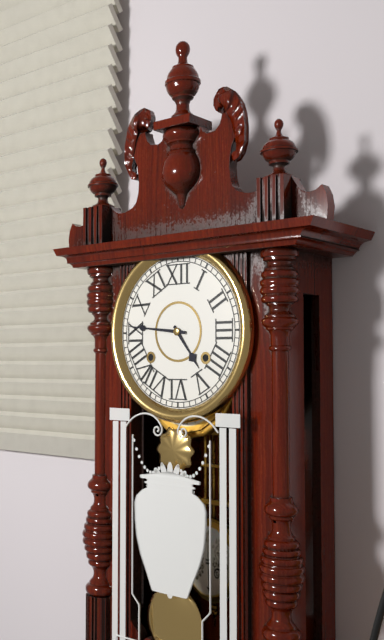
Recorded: h=4 m=46
